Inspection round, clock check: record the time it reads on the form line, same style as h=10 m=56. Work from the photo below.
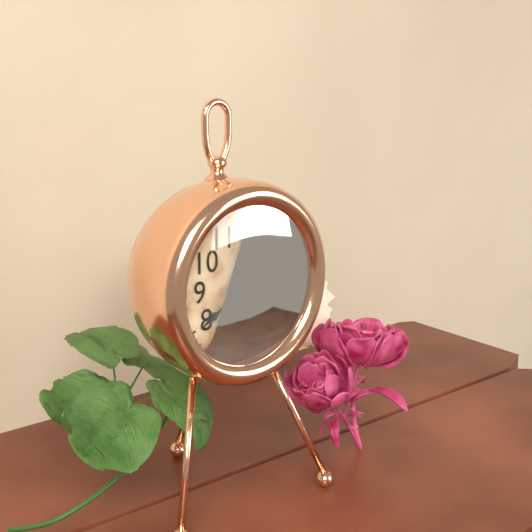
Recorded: h=12 m=40
